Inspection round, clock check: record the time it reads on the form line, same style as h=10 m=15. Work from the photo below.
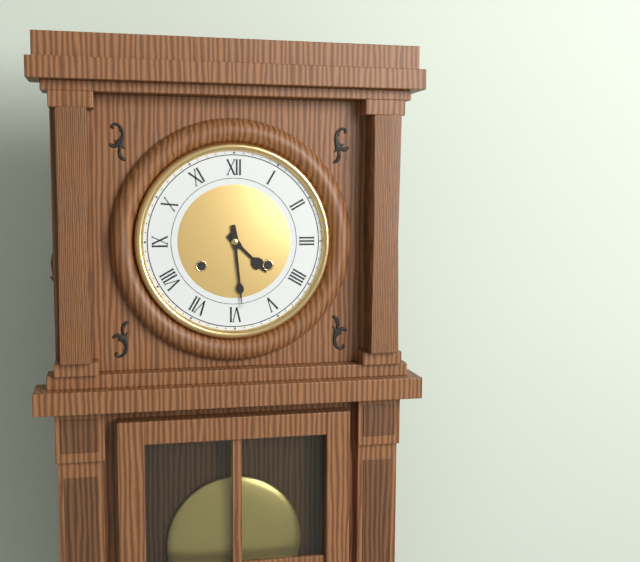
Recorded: h=4 m=29
